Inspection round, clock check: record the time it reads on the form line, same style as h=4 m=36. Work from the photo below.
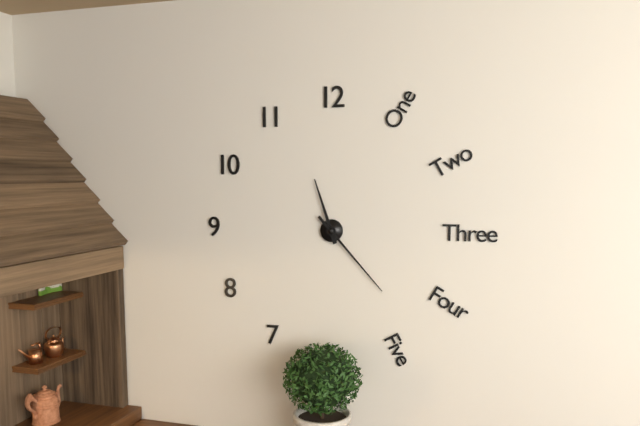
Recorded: h=11 m=23
